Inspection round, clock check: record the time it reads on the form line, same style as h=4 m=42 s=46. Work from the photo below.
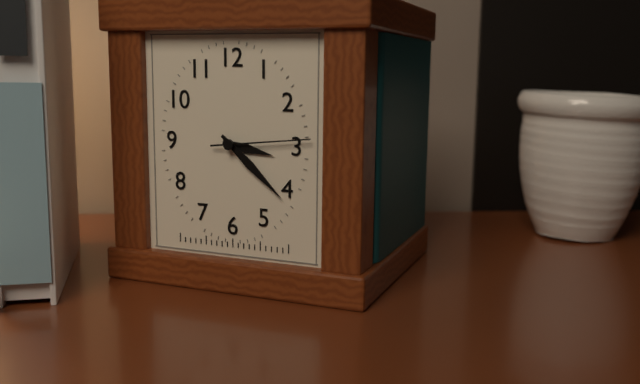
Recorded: h=3 m=22 s=14
